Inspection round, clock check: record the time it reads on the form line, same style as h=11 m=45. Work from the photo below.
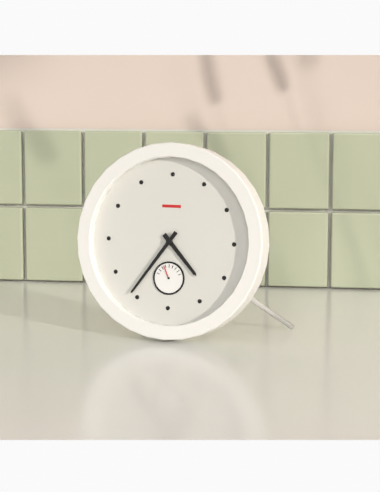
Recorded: h=4 m=36
